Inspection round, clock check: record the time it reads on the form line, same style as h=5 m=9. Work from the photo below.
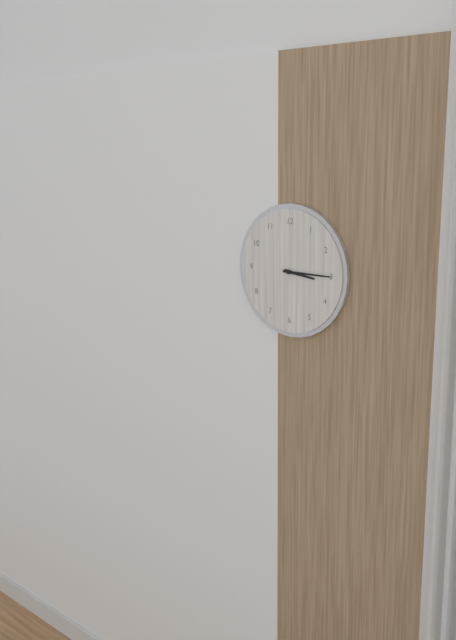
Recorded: h=3 m=15
